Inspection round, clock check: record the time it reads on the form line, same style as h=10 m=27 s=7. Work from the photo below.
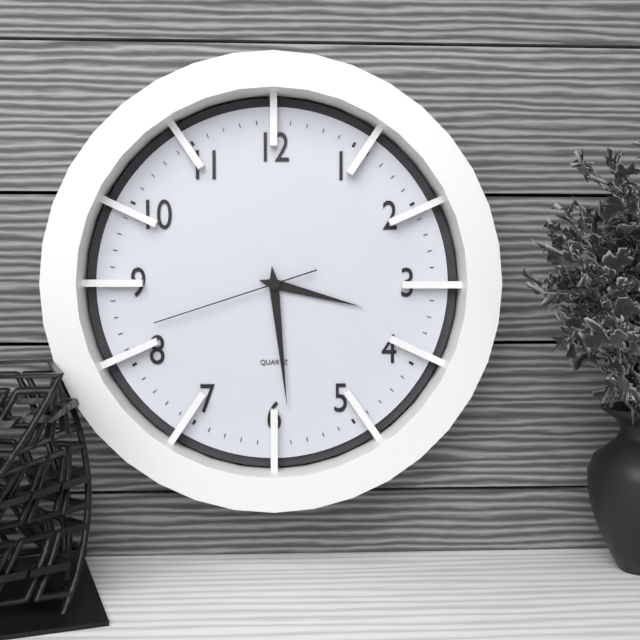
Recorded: h=3 m=29 s=42
